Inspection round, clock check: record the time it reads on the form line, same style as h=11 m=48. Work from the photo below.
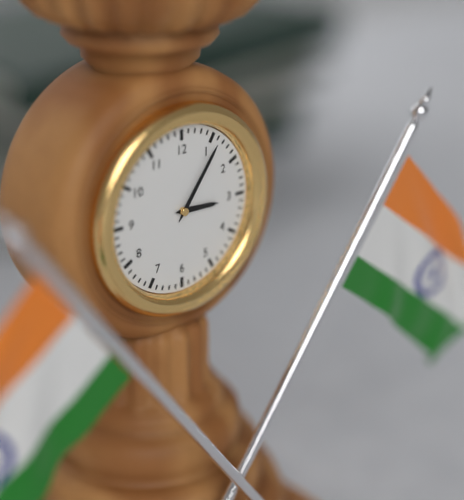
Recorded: h=3 m=6
